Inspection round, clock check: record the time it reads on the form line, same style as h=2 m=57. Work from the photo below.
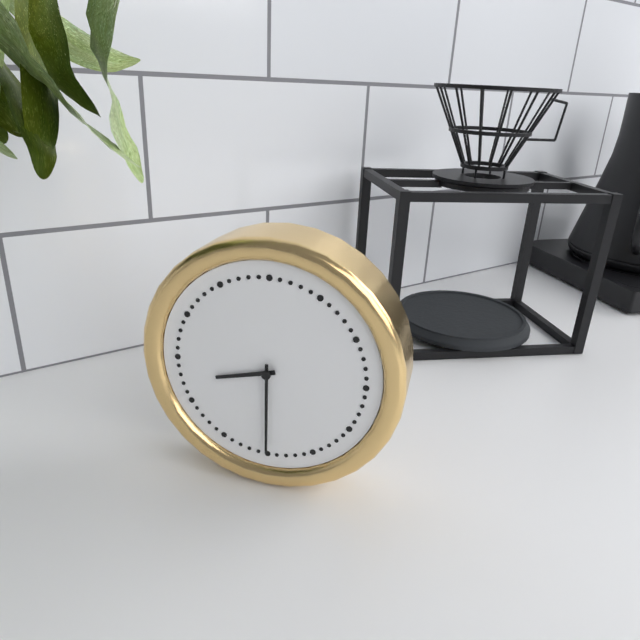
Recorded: h=8 m=30
